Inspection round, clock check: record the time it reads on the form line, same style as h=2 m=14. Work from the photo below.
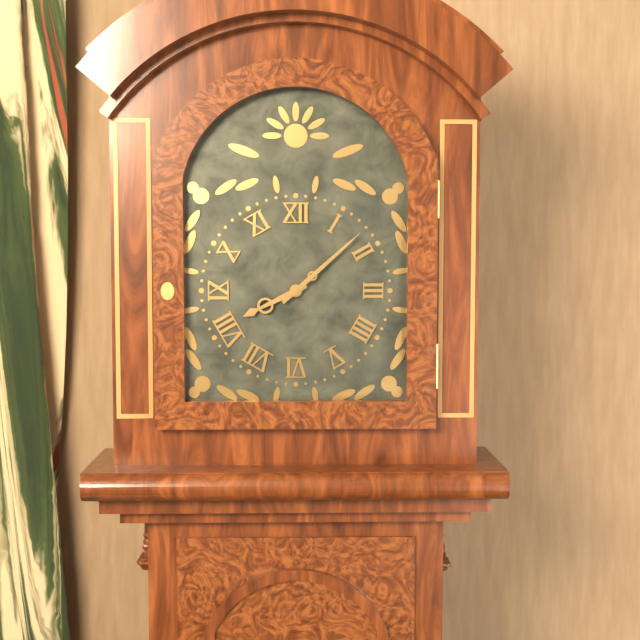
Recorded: h=8 m=8
